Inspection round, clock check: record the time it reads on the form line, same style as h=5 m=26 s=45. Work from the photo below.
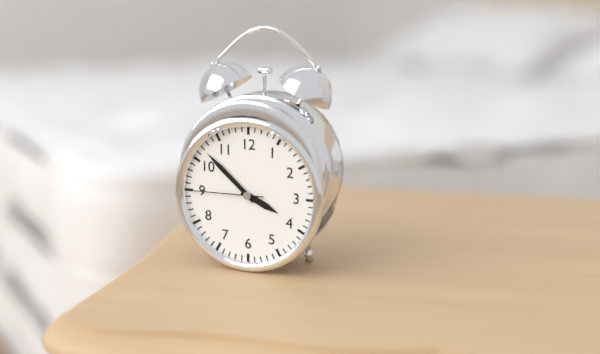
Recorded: h=3 m=52 s=45
